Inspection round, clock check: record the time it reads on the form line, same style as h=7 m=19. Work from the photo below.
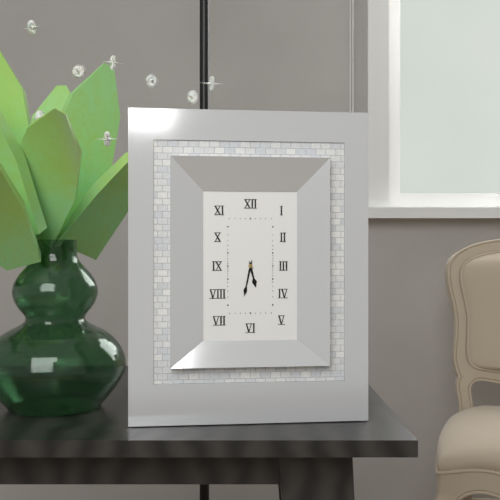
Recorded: h=5 m=32
